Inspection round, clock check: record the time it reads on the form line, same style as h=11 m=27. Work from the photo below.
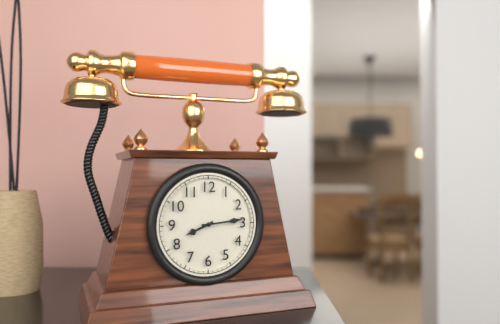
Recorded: h=8 m=14
